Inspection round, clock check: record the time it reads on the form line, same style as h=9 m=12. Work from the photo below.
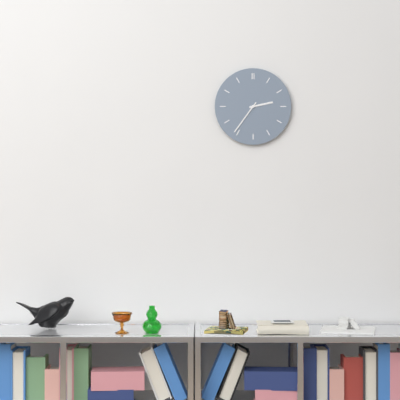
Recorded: h=2 m=36
